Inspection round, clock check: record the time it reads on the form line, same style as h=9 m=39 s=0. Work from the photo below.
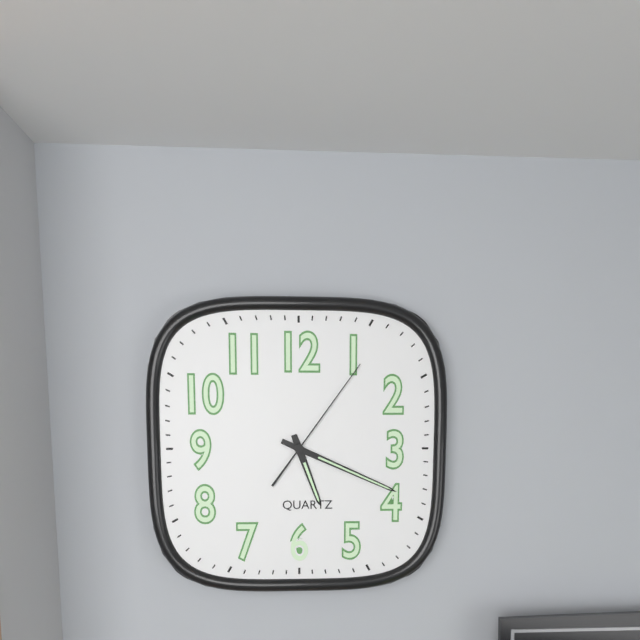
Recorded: h=5 m=19 s=6
